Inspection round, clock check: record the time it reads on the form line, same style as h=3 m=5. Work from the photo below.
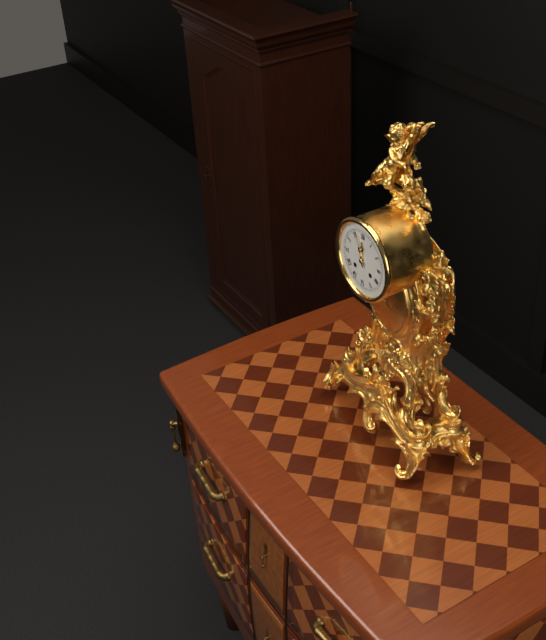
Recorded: h=11 m=57
